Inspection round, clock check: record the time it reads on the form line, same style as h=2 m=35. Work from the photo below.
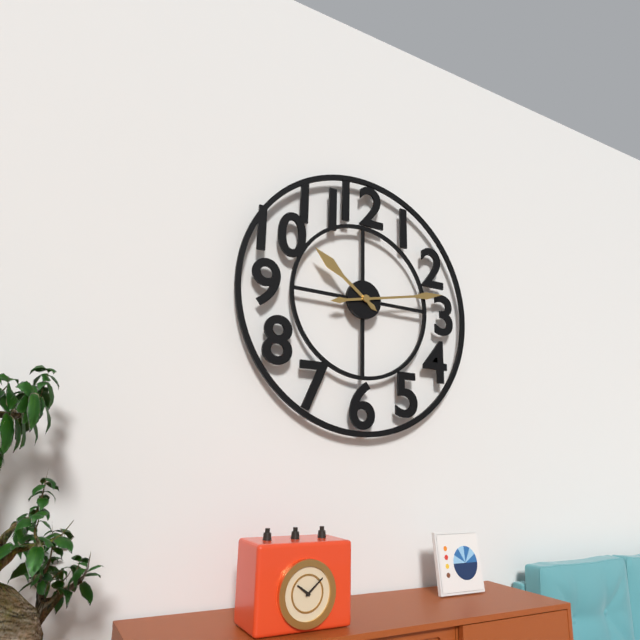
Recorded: h=10 m=13
